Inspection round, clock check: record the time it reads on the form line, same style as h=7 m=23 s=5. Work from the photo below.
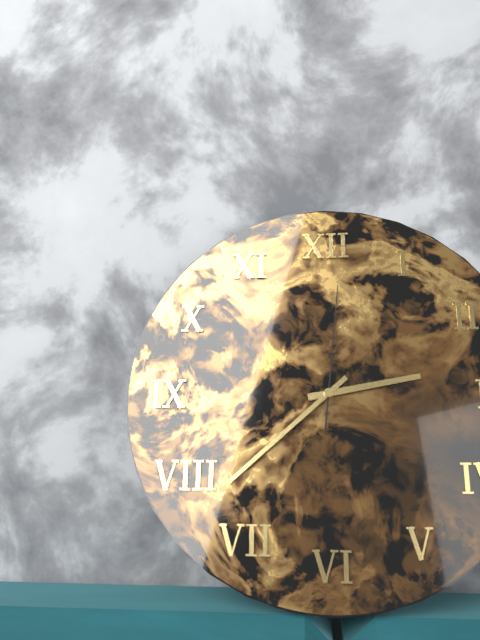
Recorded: h=2 m=38 s=1
